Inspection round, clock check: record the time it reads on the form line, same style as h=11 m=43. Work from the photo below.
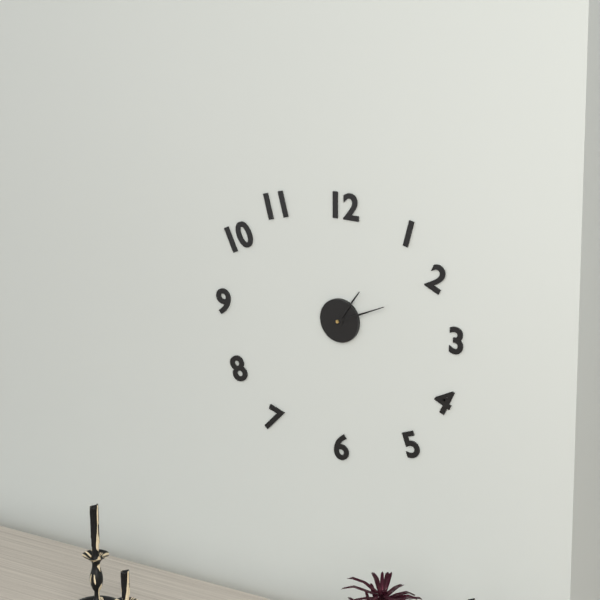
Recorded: h=1 m=11
